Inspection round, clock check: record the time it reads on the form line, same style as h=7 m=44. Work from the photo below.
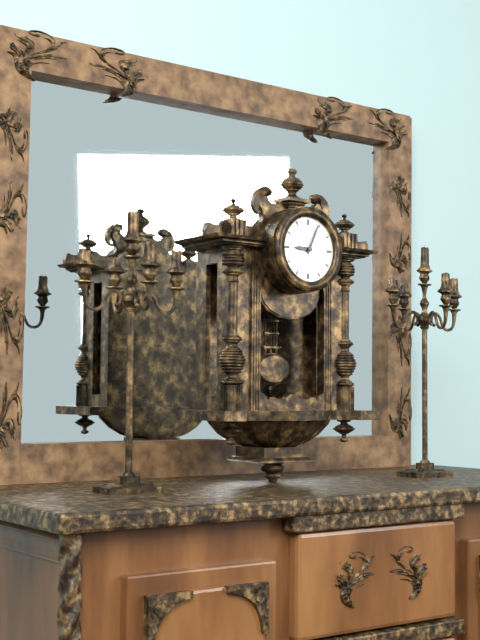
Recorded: h=9 m=4
